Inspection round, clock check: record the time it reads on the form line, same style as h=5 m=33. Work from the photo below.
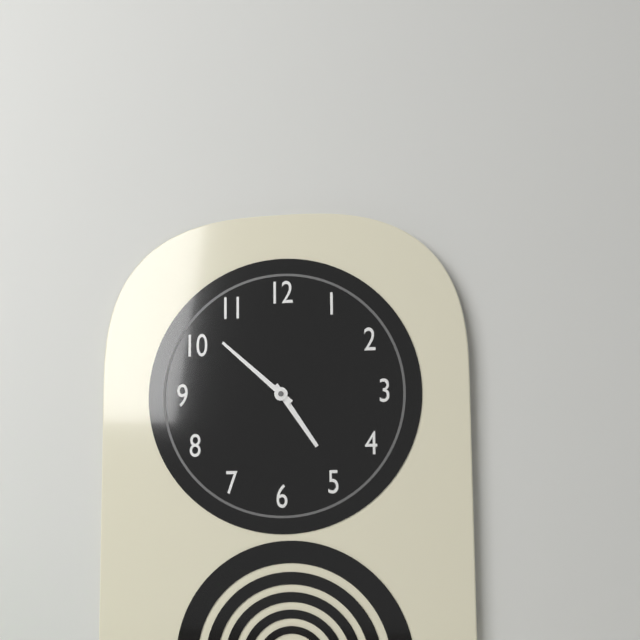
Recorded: h=4 m=52
